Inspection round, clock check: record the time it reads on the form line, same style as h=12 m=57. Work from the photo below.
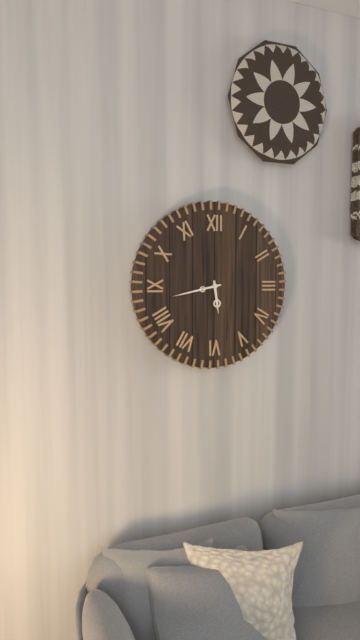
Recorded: h=5 m=43
